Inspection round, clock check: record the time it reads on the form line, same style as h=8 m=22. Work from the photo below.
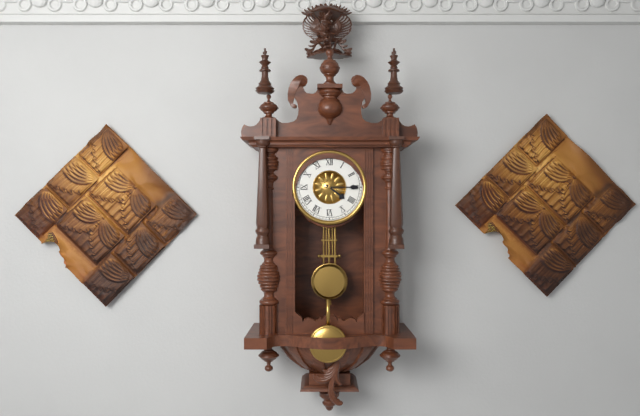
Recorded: h=4 m=15
